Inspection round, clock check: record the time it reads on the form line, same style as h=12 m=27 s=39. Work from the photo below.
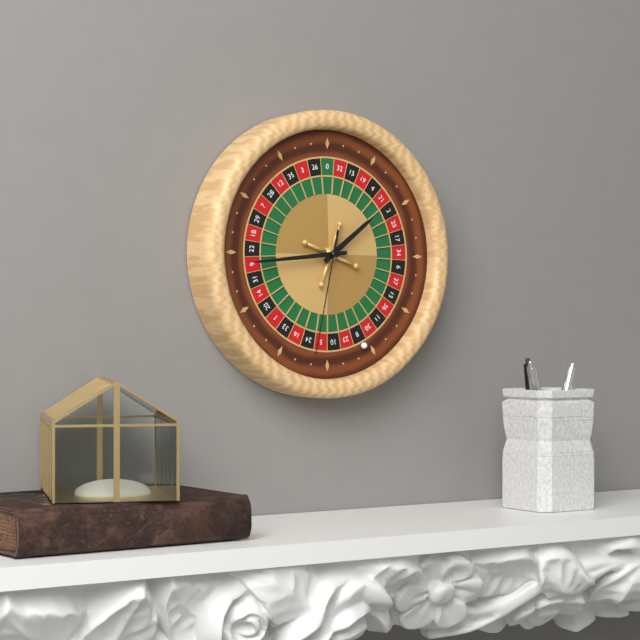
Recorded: h=1 m=44 s=32
